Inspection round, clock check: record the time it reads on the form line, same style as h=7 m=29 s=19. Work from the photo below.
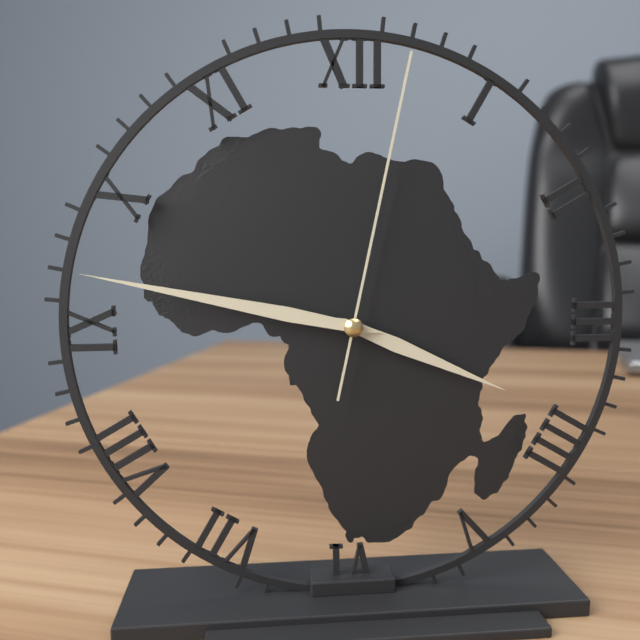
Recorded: h=3 m=47 s=2
